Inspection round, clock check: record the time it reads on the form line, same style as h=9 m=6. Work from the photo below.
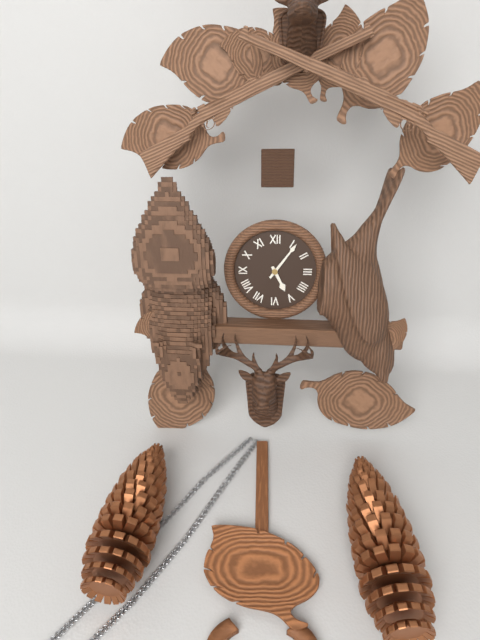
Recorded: h=5 m=6
